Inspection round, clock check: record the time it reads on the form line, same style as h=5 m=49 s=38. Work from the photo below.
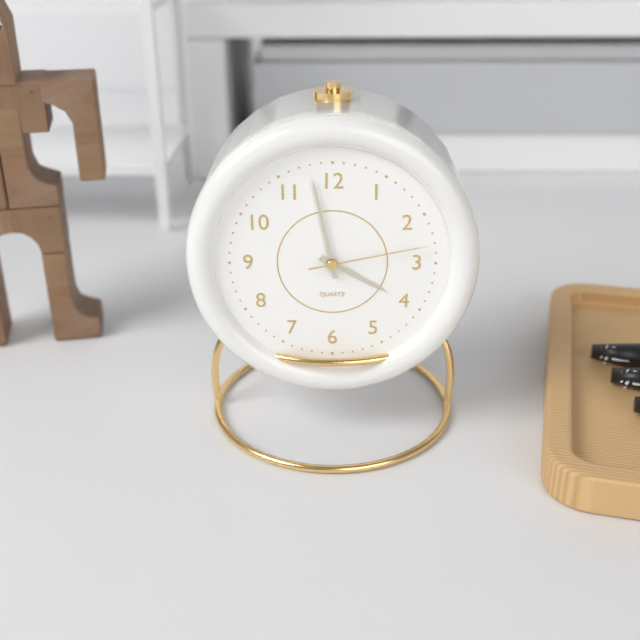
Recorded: h=3 m=58 s=13
